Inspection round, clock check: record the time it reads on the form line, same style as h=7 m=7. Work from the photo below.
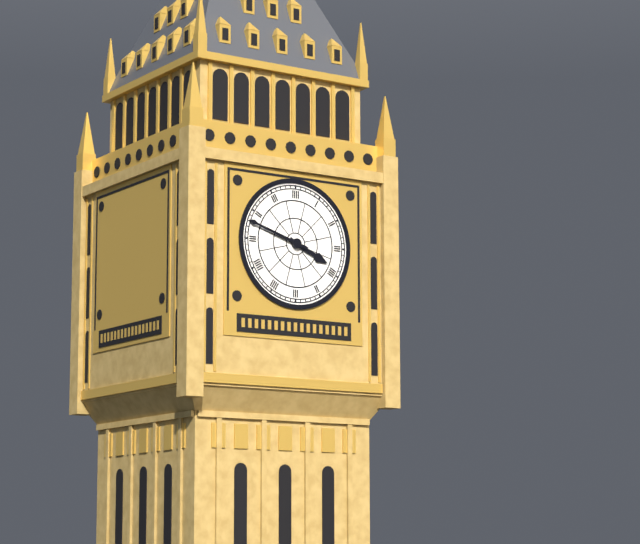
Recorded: h=3 m=48
